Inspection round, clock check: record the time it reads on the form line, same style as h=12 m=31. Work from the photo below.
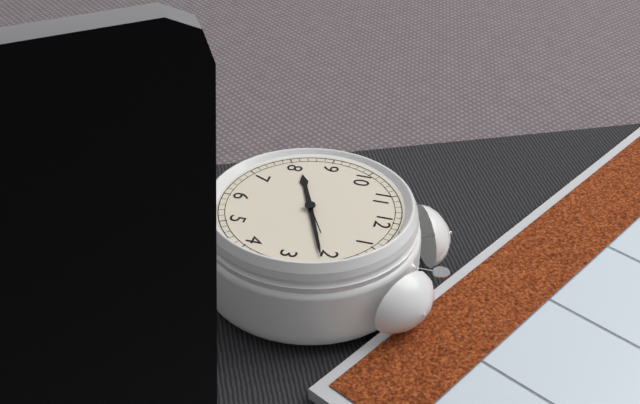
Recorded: h=8 m=11
